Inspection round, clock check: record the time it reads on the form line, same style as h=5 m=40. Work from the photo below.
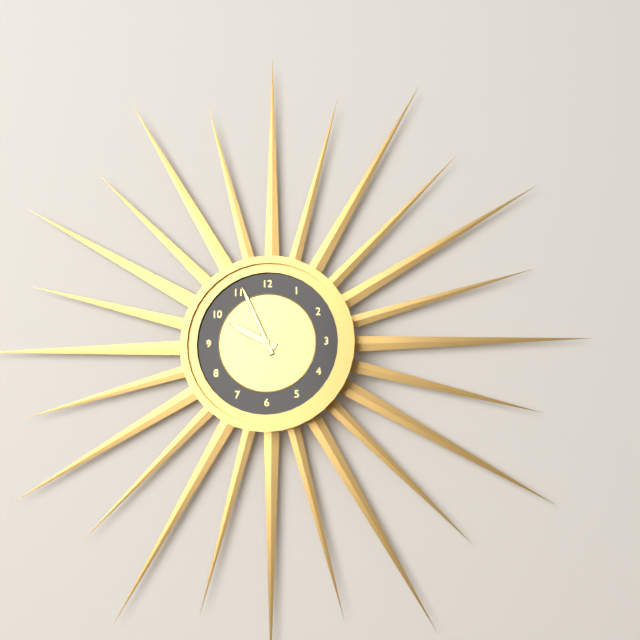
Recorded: h=9 m=56
